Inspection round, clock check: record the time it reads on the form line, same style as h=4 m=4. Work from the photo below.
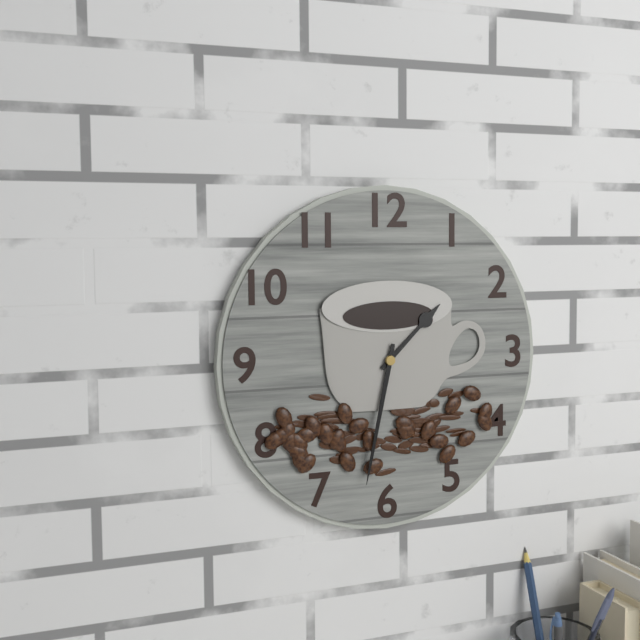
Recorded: h=1 m=32
